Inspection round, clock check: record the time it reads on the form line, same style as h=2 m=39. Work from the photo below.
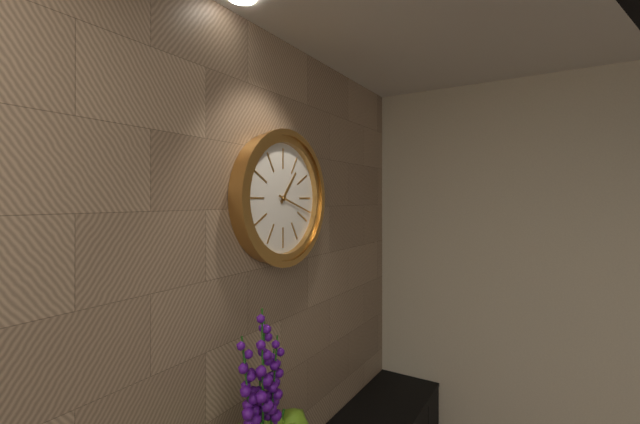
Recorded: h=1 m=18
